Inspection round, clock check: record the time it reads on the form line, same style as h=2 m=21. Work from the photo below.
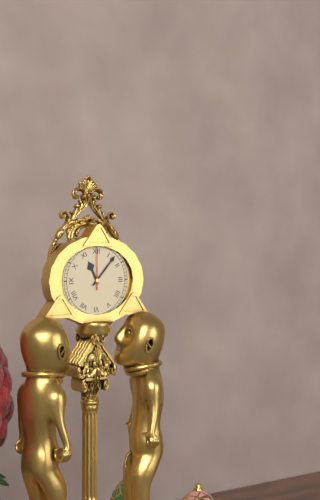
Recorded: h=11 m=7
